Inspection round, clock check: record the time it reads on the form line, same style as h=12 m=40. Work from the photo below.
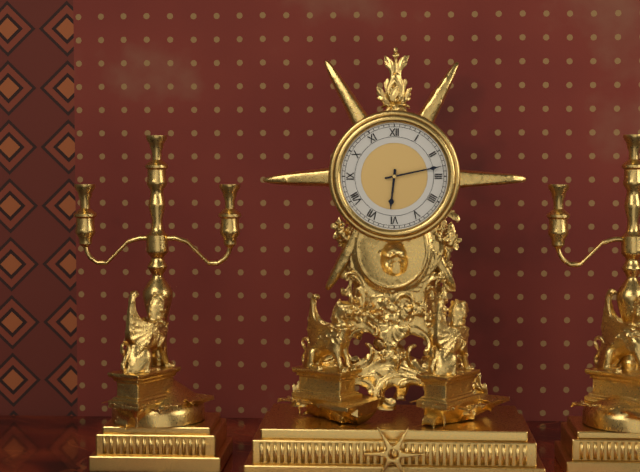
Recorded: h=6 m=13
